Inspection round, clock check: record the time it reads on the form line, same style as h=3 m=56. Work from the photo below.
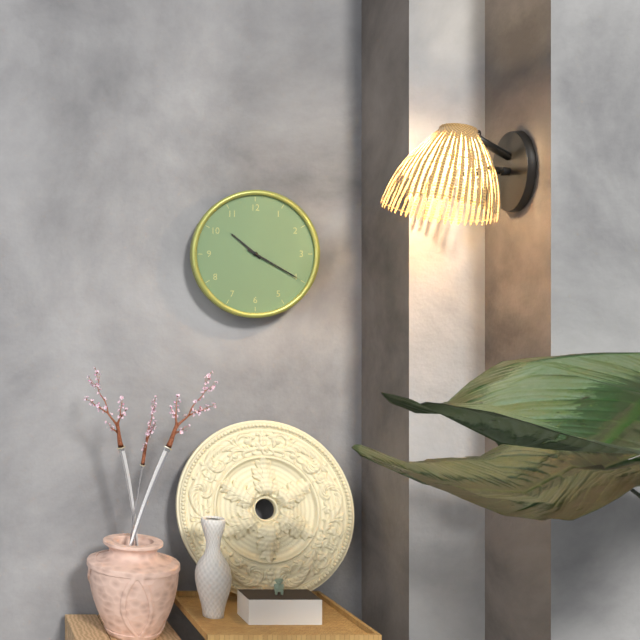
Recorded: h=10 m=20
